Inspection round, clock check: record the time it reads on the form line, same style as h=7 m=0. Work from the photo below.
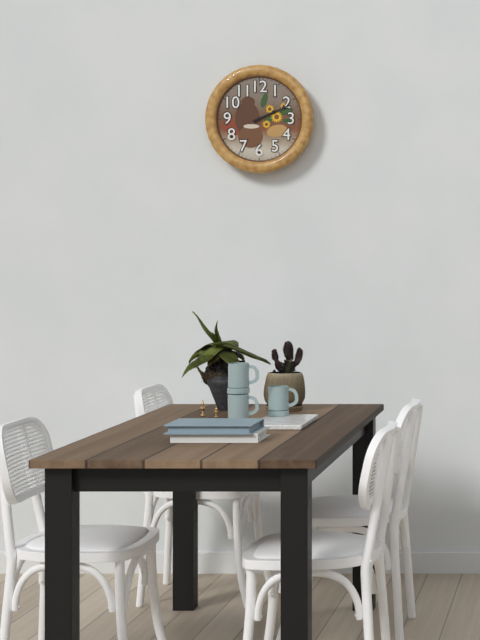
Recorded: h=2 m=11
